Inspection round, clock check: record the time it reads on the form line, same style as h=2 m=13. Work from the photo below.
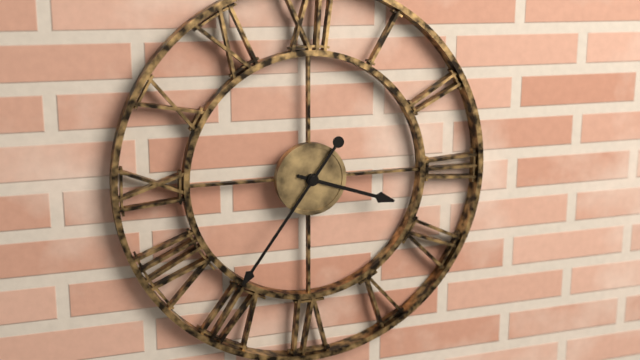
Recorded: h=3 m=36
